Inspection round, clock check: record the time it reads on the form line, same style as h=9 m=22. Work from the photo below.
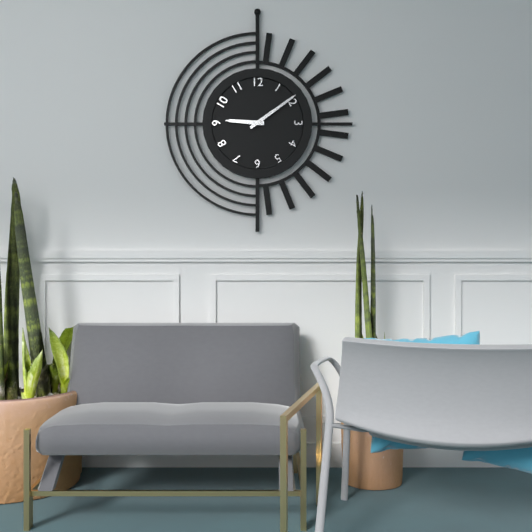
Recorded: h=9 m=9
